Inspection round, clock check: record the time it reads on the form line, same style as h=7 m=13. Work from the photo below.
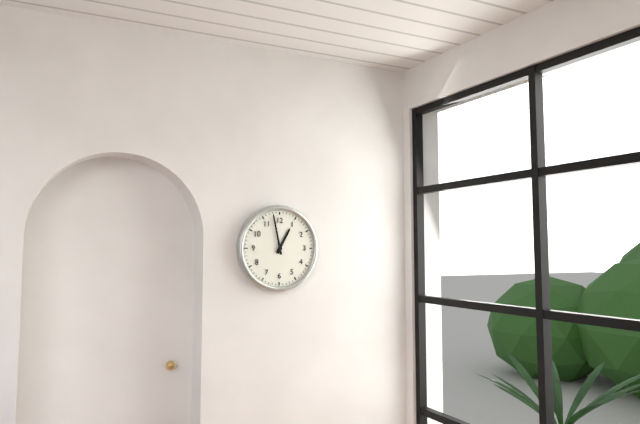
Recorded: h=12 m=58
